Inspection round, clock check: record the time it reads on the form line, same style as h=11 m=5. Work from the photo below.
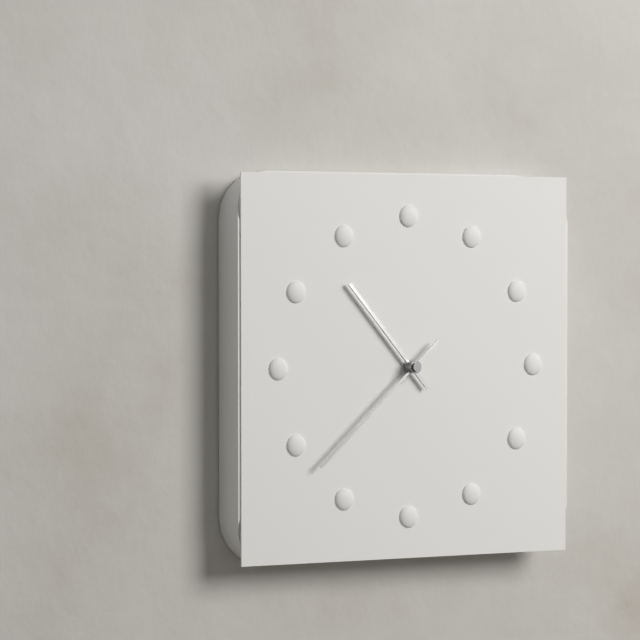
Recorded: h=10 m=38
